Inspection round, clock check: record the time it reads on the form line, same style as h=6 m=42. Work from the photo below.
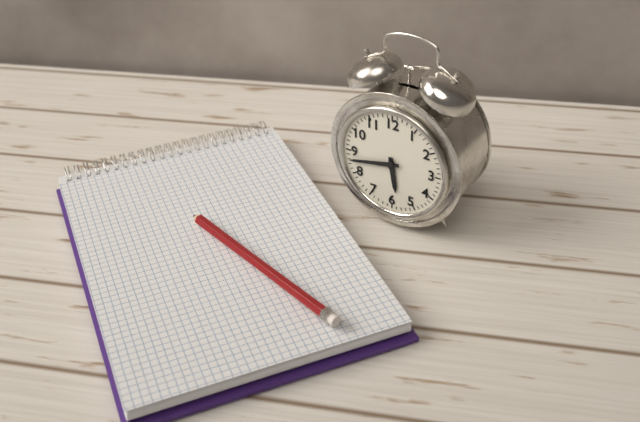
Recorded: h=5 m=43
